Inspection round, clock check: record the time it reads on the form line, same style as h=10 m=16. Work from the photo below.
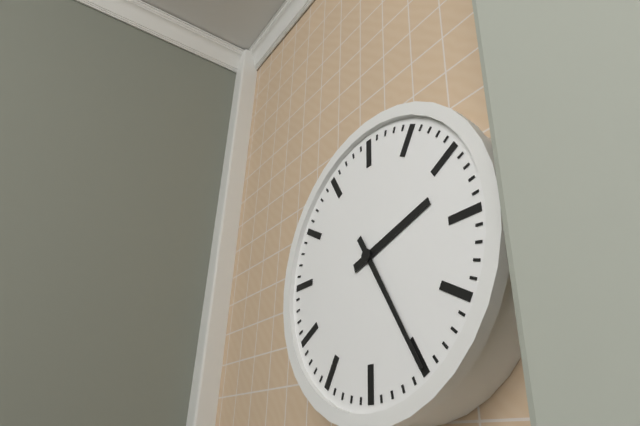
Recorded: h=2 m=25
